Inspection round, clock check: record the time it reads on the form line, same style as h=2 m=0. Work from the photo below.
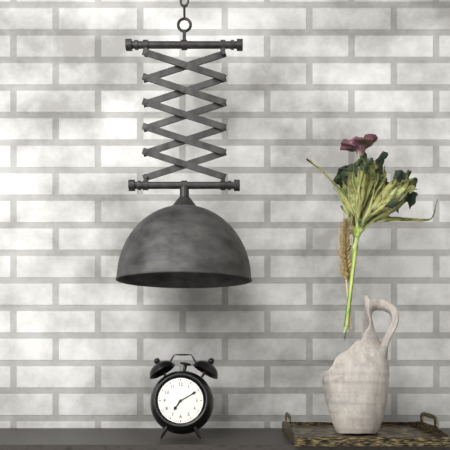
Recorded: h=7 m=10
